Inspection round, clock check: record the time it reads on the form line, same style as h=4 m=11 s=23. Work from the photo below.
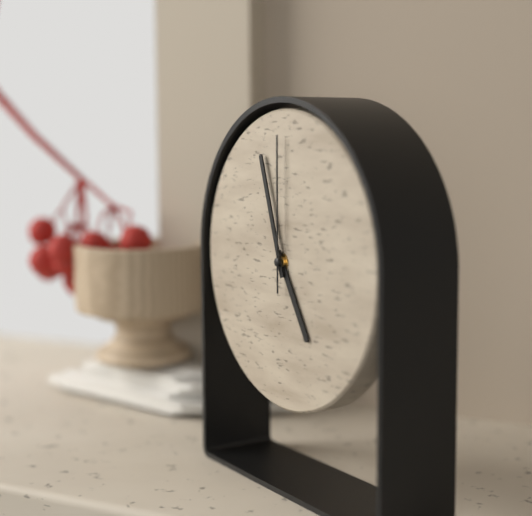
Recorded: h=4 m=57 s=0
